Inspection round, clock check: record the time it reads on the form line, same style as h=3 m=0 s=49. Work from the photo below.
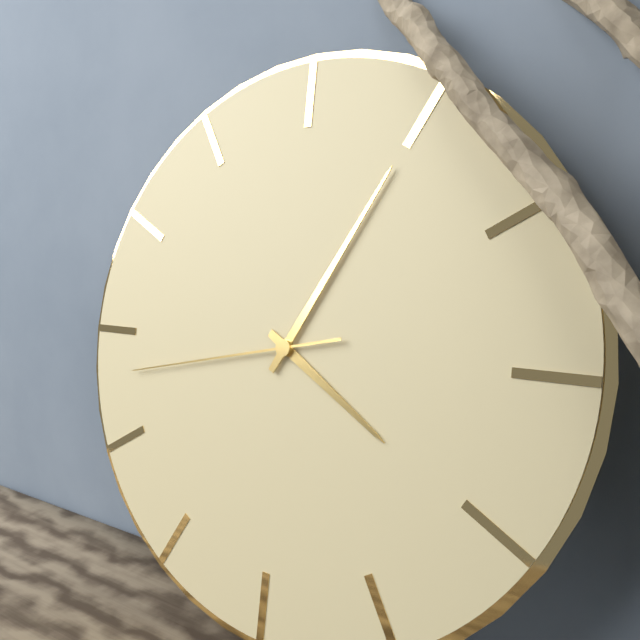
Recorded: h=4 m=5 s=43
